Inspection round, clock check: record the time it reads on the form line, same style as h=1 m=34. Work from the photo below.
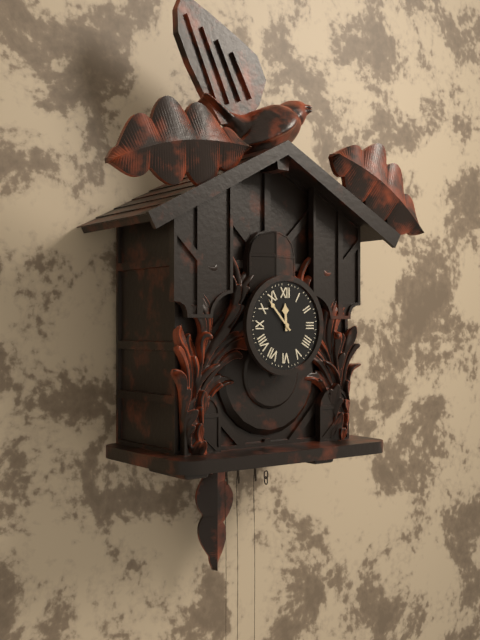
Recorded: h=11 m=53
